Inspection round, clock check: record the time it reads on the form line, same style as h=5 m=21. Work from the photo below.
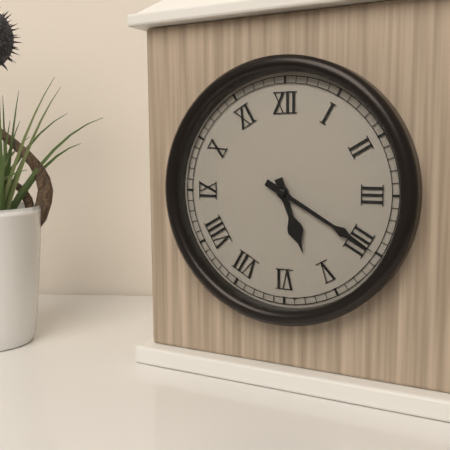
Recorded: h=5 m=20
